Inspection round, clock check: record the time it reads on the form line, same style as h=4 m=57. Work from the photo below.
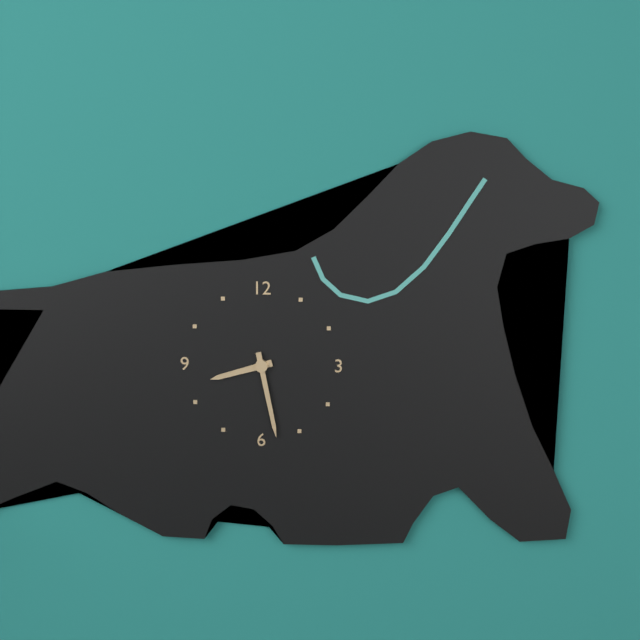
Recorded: h=8 m=28
